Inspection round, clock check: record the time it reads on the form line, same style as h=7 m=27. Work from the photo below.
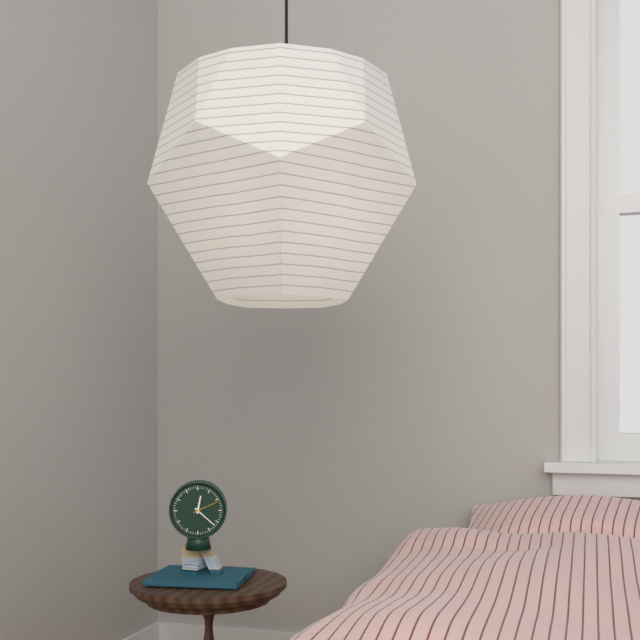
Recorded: h=12 m=22
